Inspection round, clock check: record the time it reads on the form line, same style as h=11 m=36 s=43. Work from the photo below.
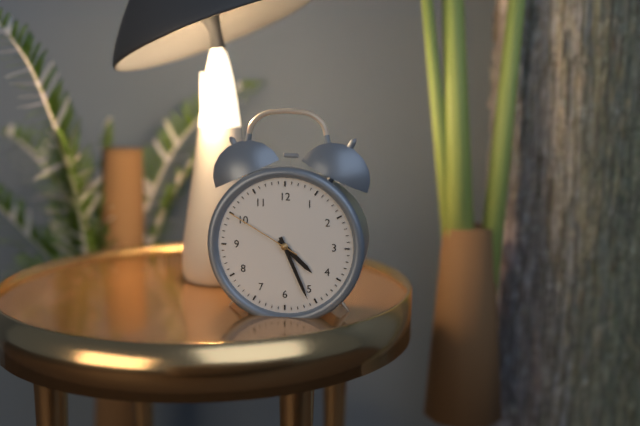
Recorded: h=4 m=26 s=50
